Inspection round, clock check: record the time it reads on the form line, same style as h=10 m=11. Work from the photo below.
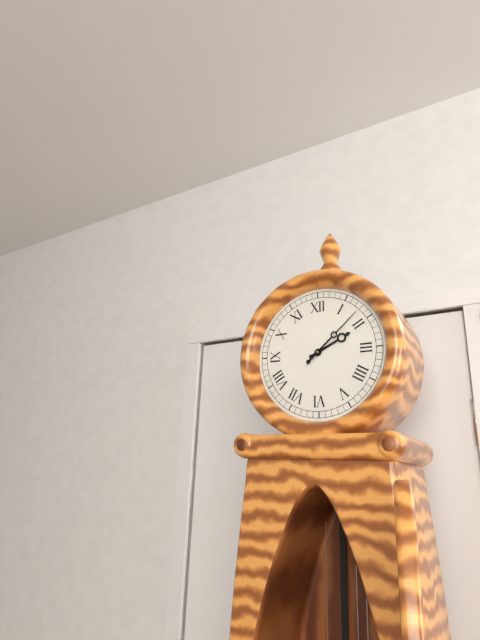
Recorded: h=2 m=8
